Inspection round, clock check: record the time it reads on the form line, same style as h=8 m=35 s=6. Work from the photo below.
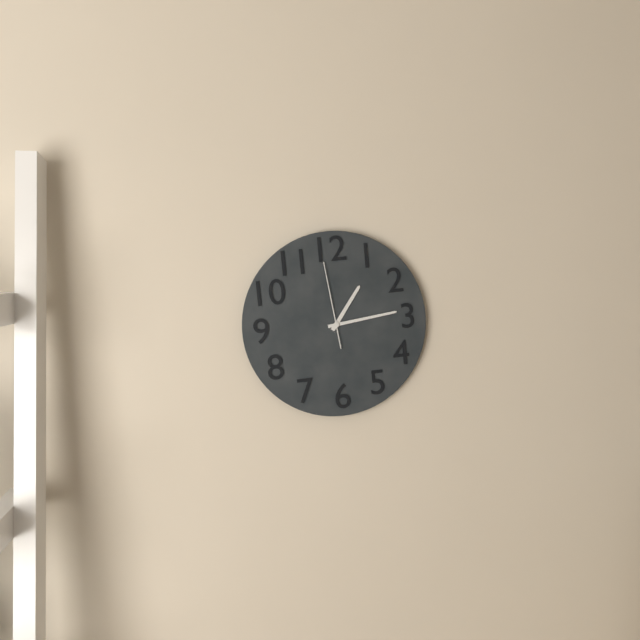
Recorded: h=1 m=14 s=59
